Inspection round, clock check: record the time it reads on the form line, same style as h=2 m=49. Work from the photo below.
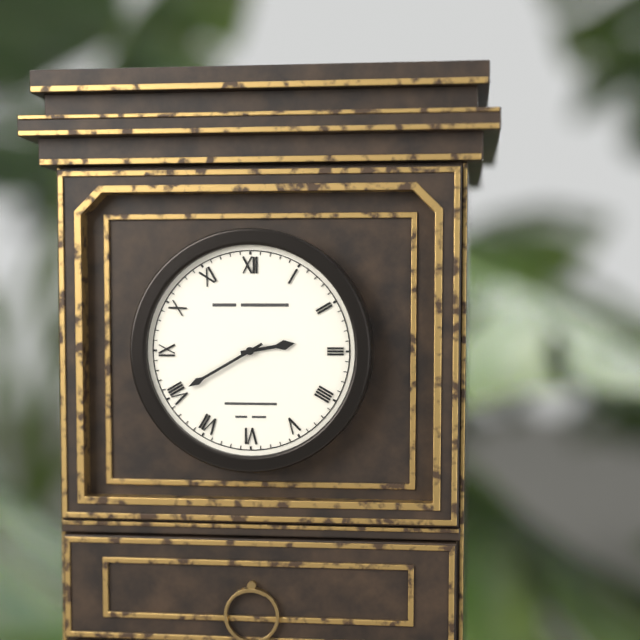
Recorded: h=2 m=40
